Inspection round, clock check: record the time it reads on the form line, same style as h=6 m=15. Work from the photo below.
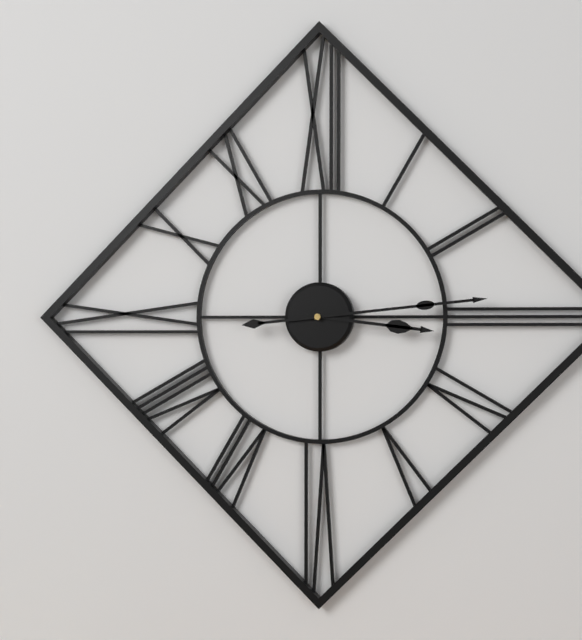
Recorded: h=3 m=14
